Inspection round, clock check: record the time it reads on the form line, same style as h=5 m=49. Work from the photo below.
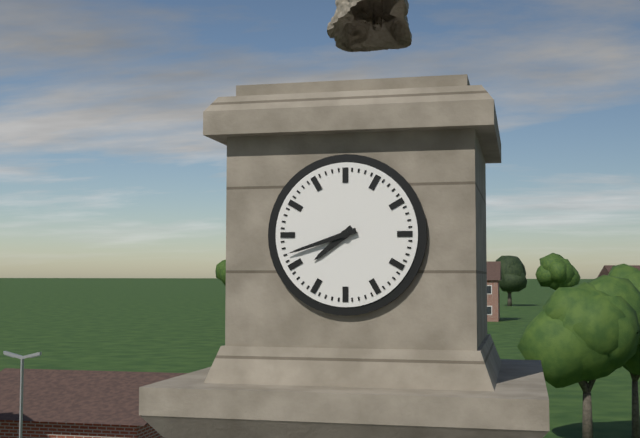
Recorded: h=7 m=42
